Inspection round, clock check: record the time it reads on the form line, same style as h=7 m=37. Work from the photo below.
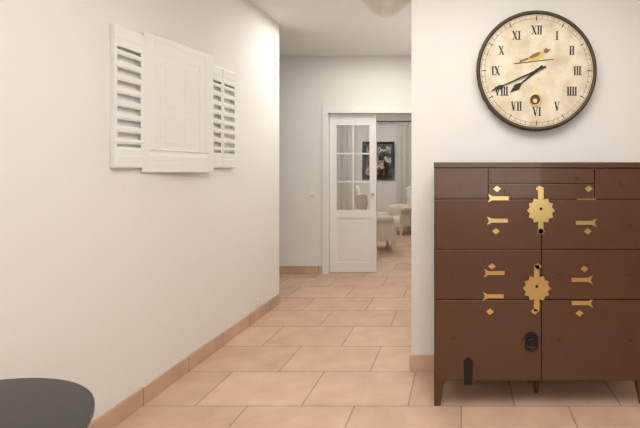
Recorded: h=7 m=41
